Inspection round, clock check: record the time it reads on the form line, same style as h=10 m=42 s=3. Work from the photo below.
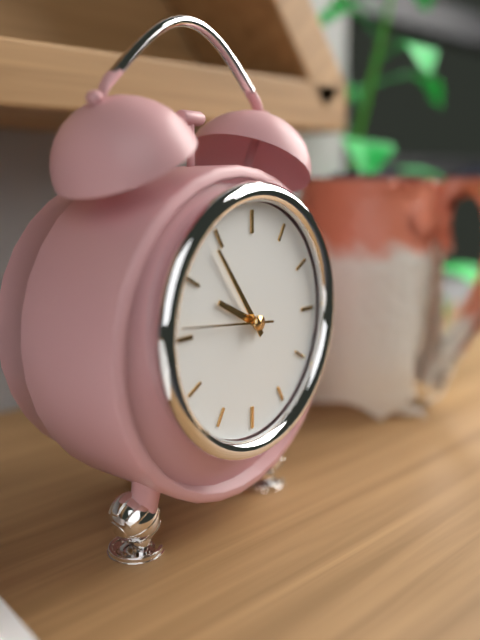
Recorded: h=9 m=54 s=46
